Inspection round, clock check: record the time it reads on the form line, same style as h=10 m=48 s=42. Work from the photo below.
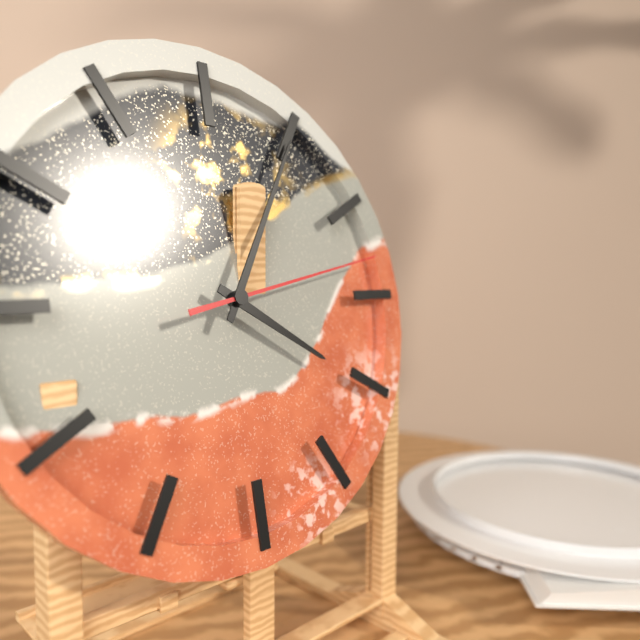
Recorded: h=4 m=5 s=13
